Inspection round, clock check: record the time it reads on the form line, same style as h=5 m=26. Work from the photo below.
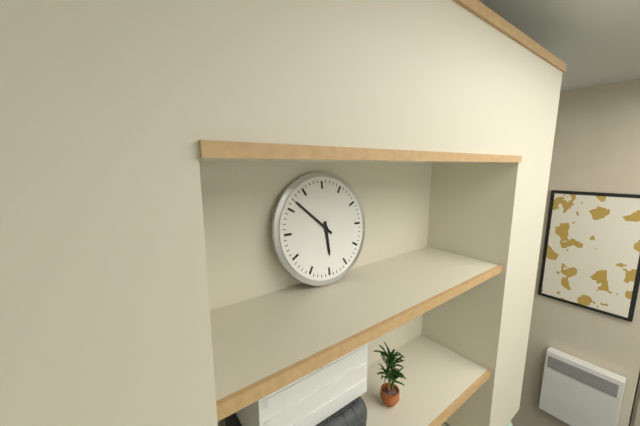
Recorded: h=5 m=52
